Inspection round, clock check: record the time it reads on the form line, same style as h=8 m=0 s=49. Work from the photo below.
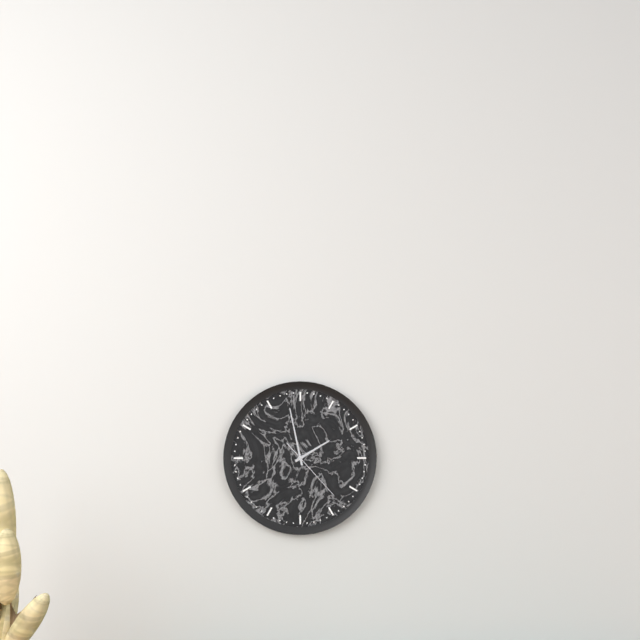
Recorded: h=1 m=58 s=23
